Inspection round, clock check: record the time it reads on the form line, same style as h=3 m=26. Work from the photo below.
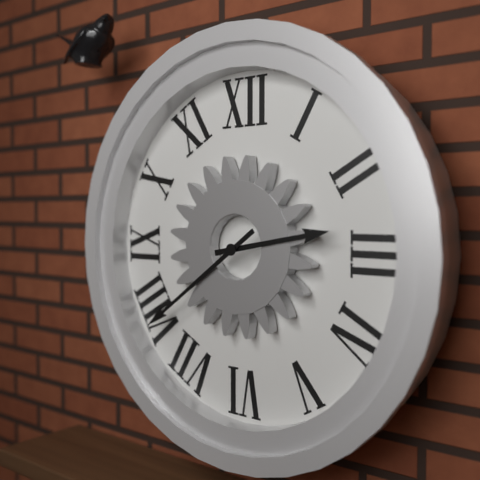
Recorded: h=2 m=39
